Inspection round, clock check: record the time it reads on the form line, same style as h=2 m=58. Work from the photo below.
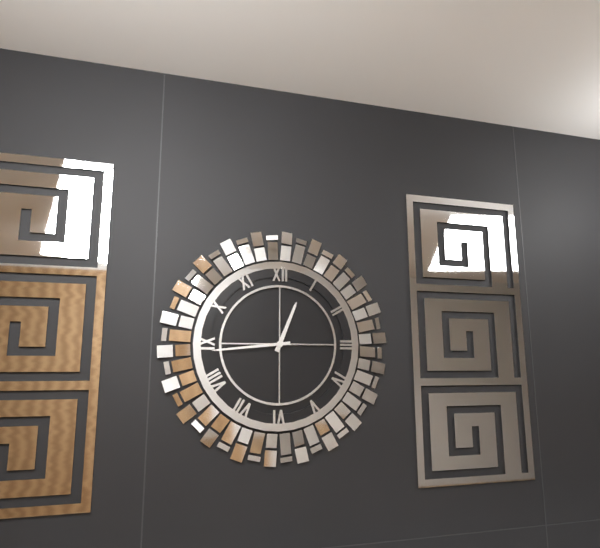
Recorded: h=12 m=44
